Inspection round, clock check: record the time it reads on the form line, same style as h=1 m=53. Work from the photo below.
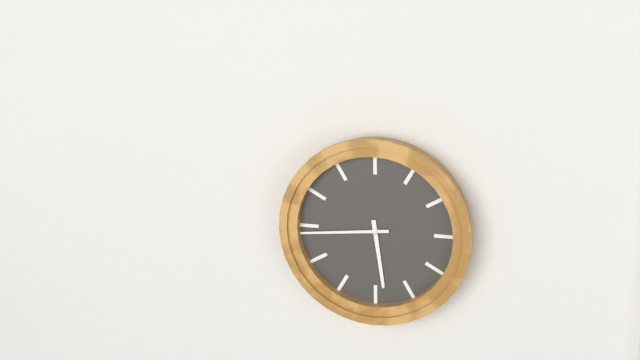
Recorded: h=5 m=44
